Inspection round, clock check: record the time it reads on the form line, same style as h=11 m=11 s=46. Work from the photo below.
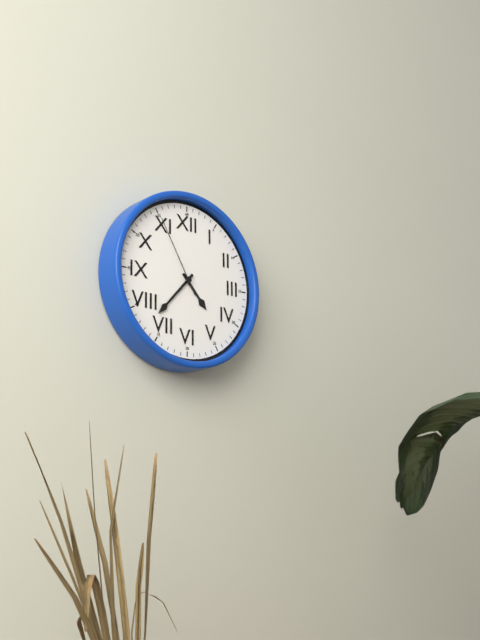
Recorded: h=4 m=37 s=55
